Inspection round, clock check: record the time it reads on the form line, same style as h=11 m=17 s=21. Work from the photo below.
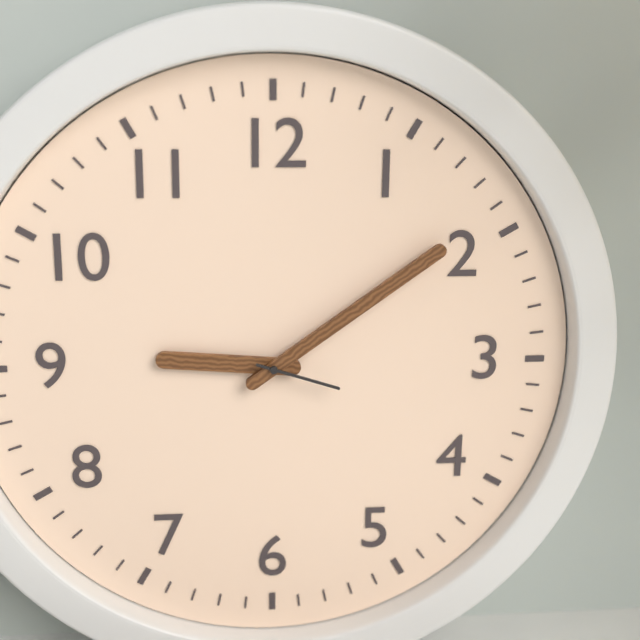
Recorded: h=9 m=9 s=18
